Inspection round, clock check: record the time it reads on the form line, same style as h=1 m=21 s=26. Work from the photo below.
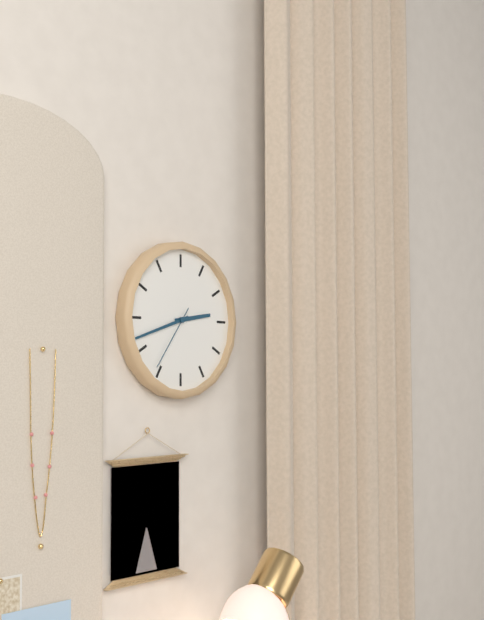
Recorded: h=2 m=42 s=36
